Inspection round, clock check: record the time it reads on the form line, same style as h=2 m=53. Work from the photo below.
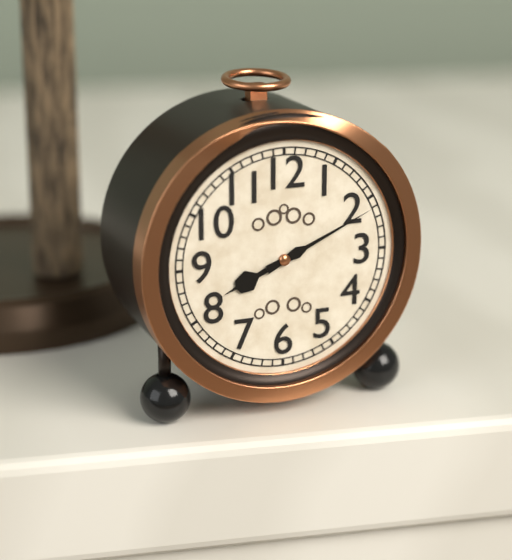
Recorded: h=8 m=11
